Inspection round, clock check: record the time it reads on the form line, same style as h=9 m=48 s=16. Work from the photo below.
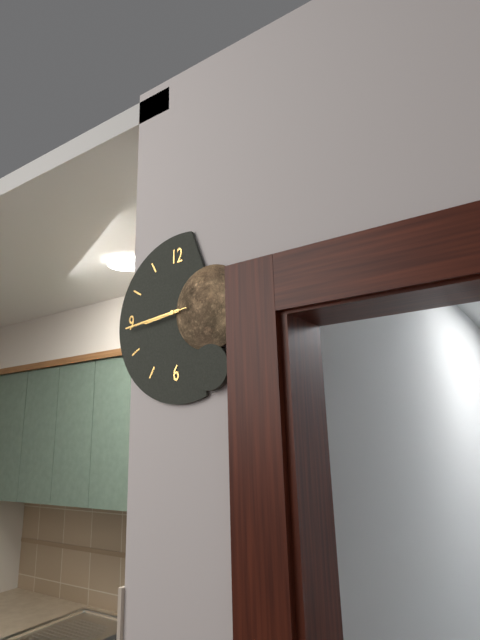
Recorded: h=8 m=44 s=44
